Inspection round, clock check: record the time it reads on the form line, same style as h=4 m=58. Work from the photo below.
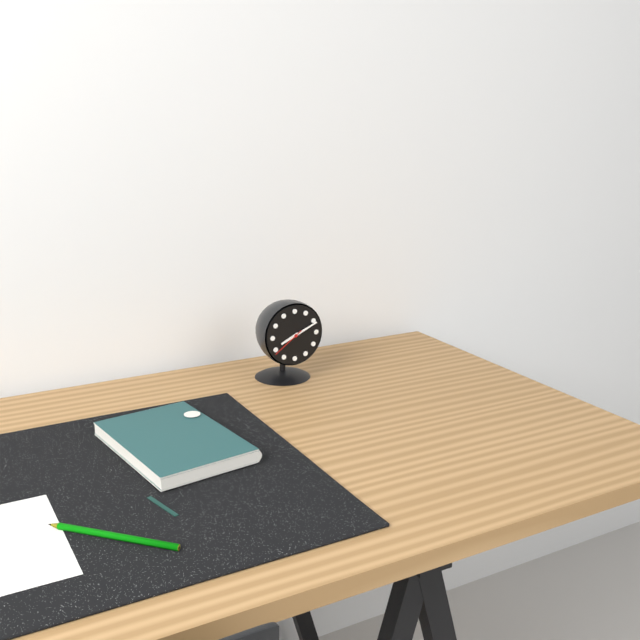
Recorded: h=8 m=11
